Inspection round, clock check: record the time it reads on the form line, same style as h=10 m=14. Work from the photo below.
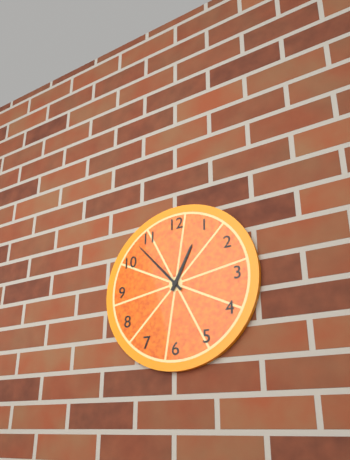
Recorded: h=12 m=53
